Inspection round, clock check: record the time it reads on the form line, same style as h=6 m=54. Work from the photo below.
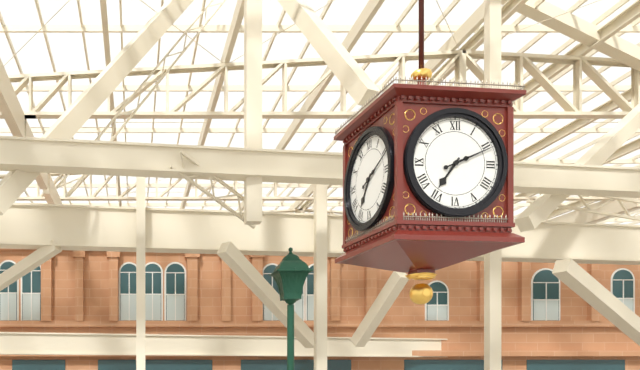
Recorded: h=7 m=11
